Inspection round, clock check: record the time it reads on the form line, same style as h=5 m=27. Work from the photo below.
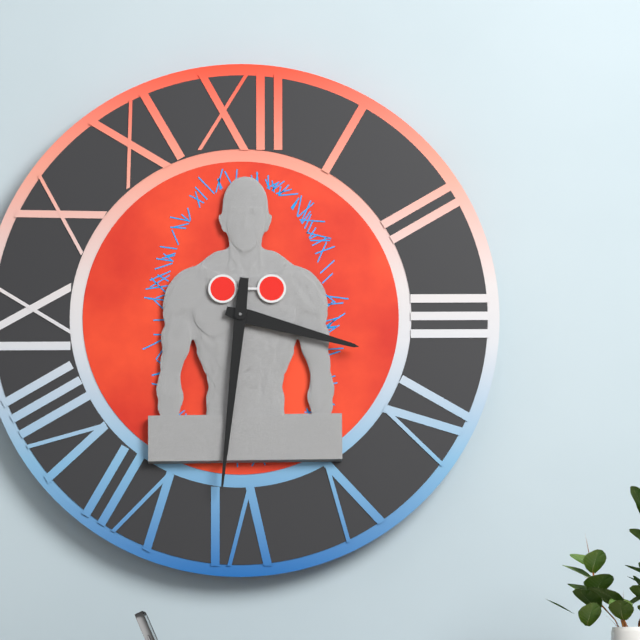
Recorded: h=3 m=31
